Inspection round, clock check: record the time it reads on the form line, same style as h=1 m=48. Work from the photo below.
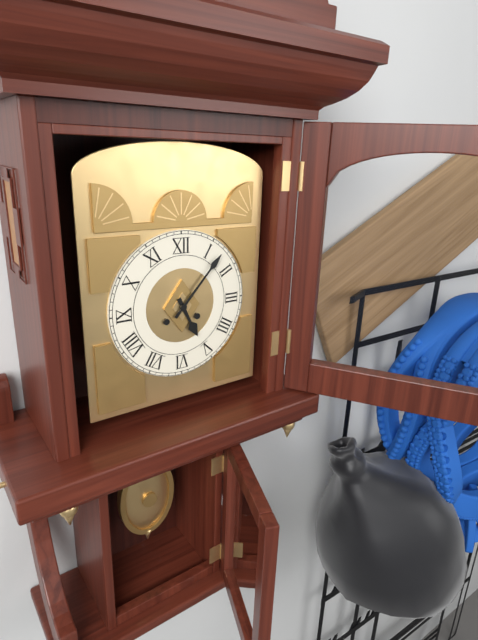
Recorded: h=5 m=7
